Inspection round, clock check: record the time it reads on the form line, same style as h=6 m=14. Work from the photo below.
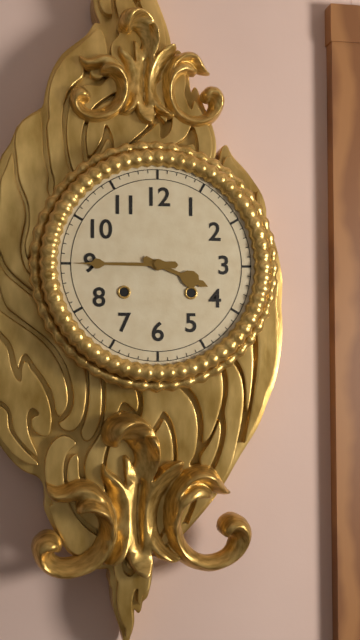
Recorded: h=3 m=45
